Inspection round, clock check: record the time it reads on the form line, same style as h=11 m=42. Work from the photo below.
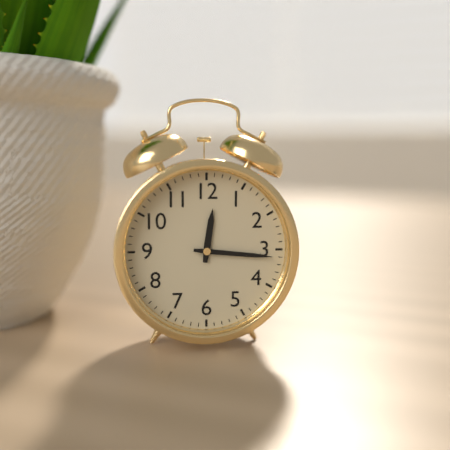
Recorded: h=12 m=16
